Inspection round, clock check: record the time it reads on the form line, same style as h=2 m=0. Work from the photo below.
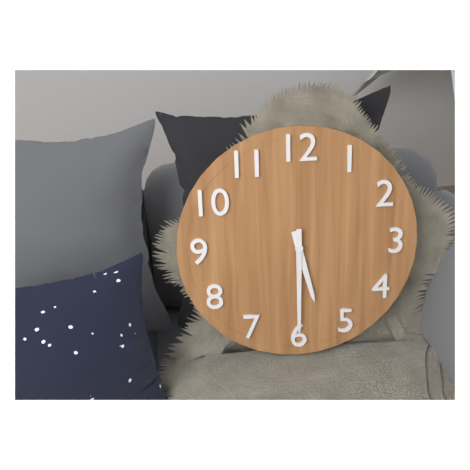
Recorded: h=5 m=30
